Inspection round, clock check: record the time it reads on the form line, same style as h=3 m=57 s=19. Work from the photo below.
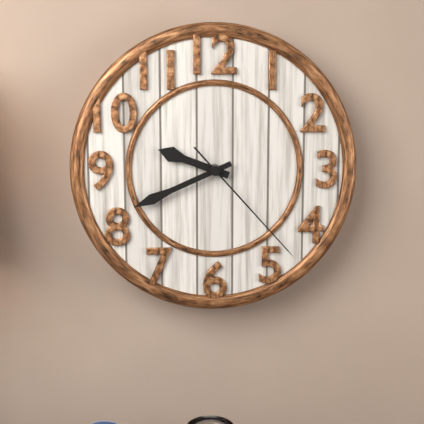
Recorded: h=9 m=41 s=23
